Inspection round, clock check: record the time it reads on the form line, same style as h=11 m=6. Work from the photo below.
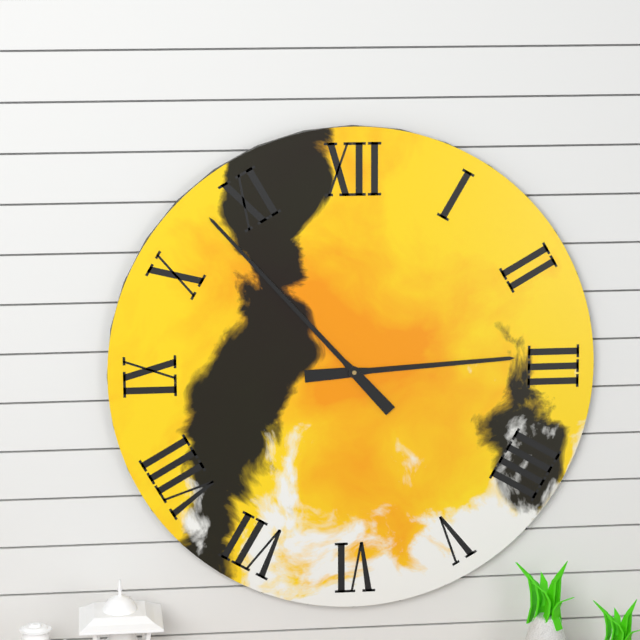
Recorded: h=2 m=53
